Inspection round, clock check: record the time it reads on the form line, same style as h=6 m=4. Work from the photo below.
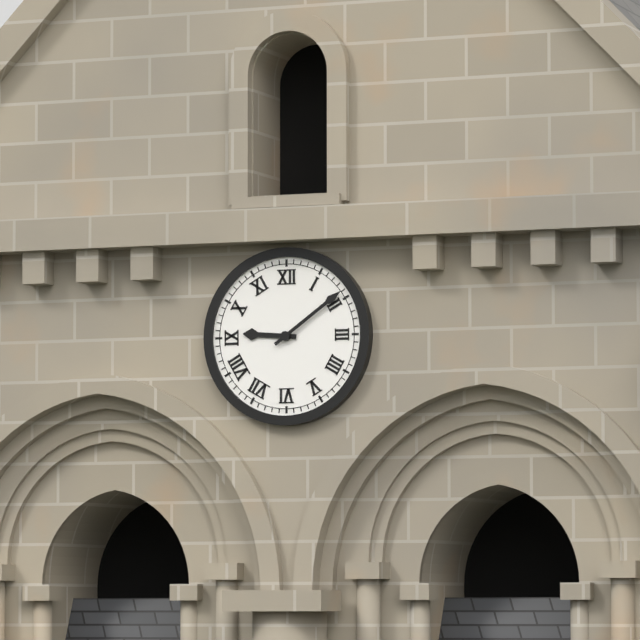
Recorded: h=9 m=9
